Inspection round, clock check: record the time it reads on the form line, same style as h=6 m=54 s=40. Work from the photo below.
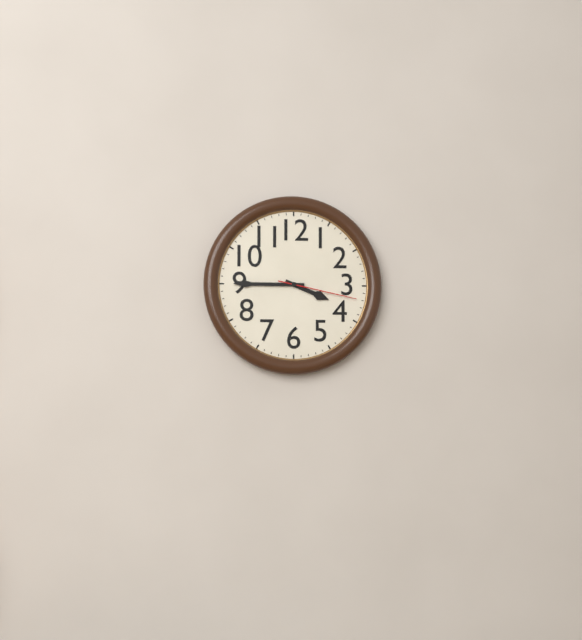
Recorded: h=3 m=45 s=17
